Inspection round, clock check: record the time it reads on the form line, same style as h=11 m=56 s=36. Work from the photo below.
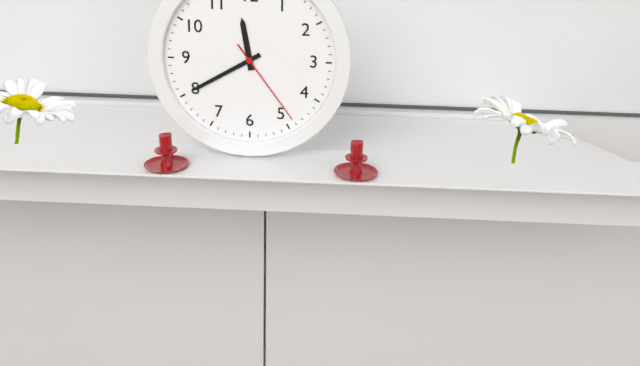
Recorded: h=11 m=40 s=24
